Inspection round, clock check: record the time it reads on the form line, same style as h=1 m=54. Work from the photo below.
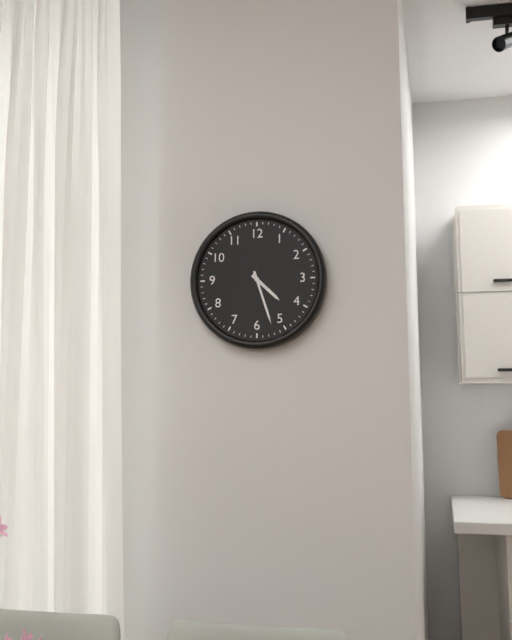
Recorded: h=4 m=27
